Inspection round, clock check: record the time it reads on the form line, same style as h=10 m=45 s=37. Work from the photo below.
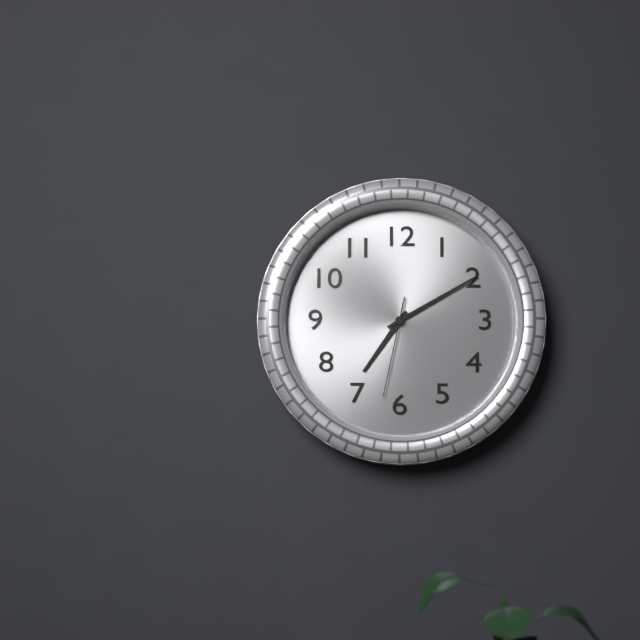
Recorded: h=7 m=10 s=32
